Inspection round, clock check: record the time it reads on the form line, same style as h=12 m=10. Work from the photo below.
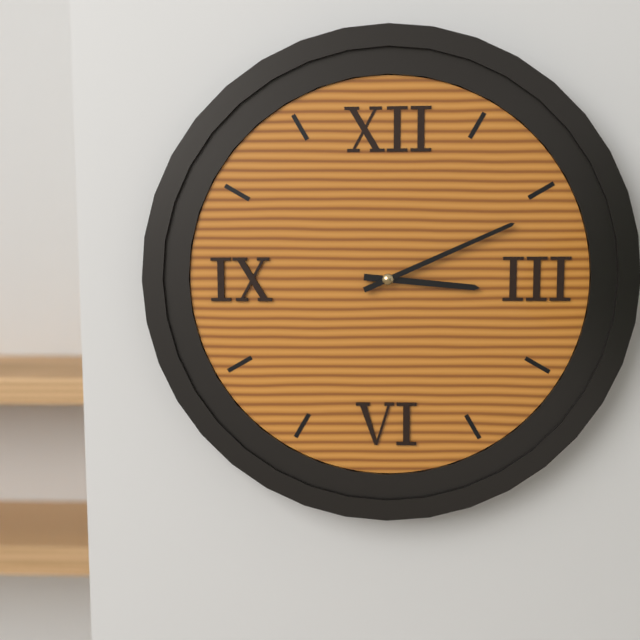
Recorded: h=3 m=11
